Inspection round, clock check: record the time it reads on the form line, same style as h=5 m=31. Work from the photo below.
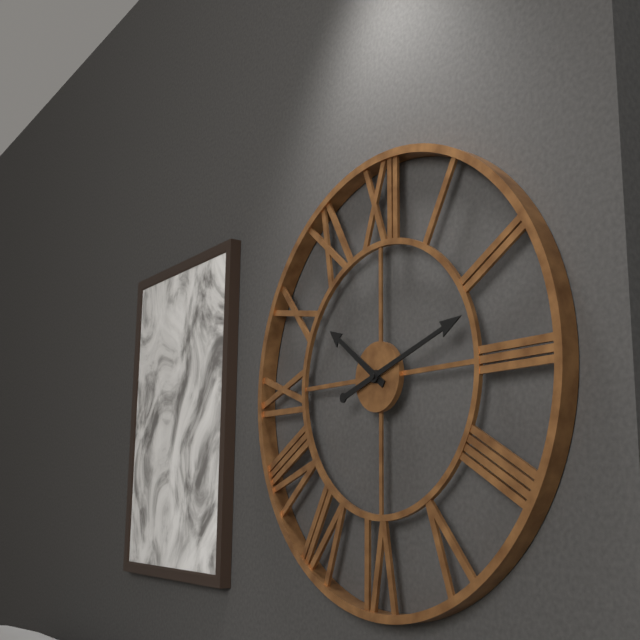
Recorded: h=10 m=12
